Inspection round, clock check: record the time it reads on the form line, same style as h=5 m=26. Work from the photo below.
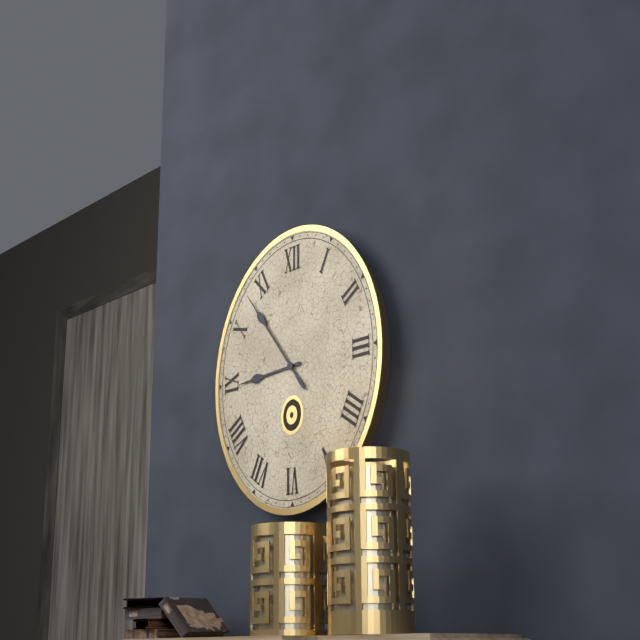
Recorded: h=8 m=54
